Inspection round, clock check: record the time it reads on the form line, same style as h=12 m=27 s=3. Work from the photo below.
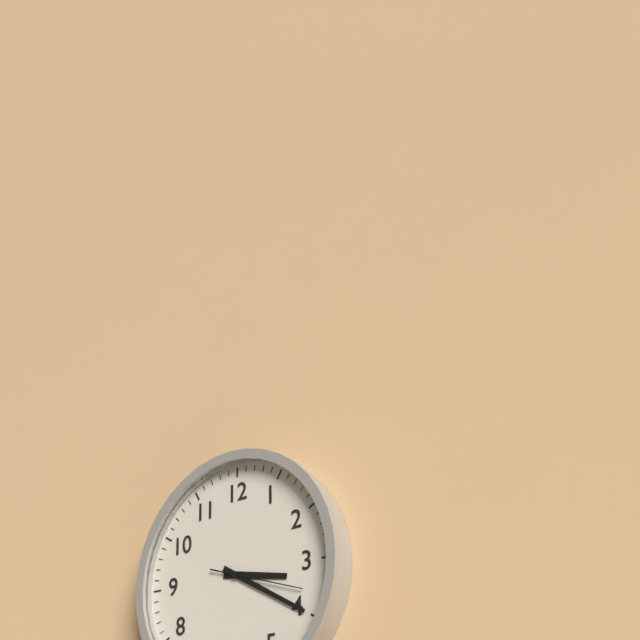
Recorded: h=3 m=20 s=18
